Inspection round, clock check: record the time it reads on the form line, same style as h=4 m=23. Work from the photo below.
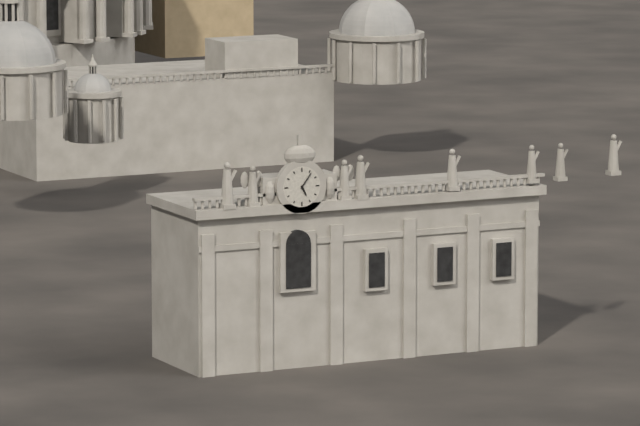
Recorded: h=5 m=6
